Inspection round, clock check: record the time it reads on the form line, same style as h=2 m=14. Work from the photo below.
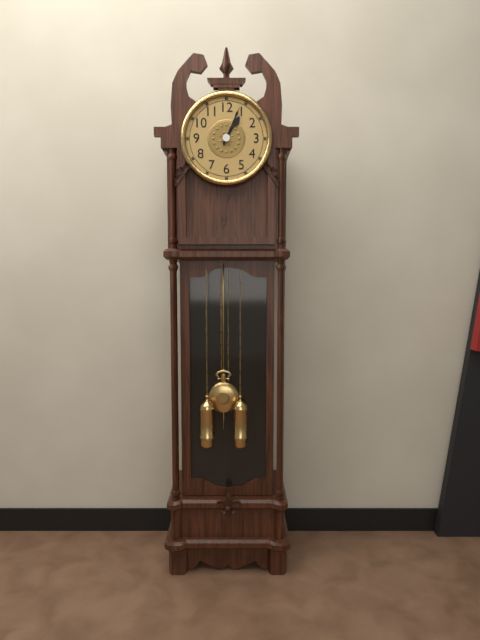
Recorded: h=1 m=4
